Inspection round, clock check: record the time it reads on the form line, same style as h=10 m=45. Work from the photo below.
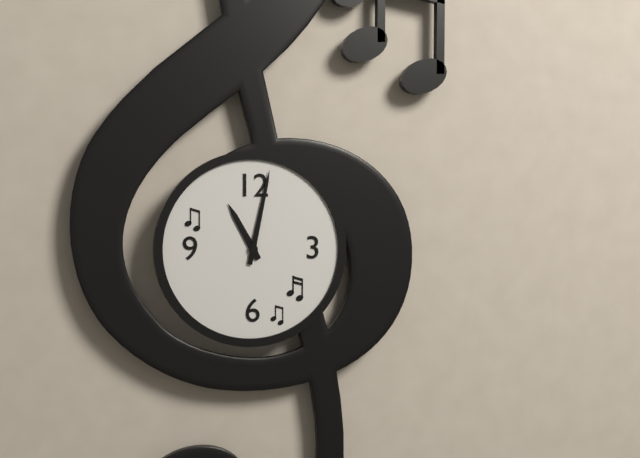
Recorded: h=11 m=2
